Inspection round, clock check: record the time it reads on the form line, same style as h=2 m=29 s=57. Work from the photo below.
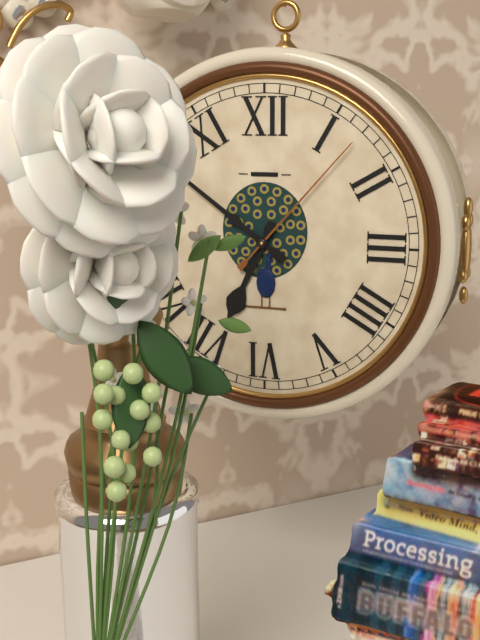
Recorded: h=6 m=51 s=7
